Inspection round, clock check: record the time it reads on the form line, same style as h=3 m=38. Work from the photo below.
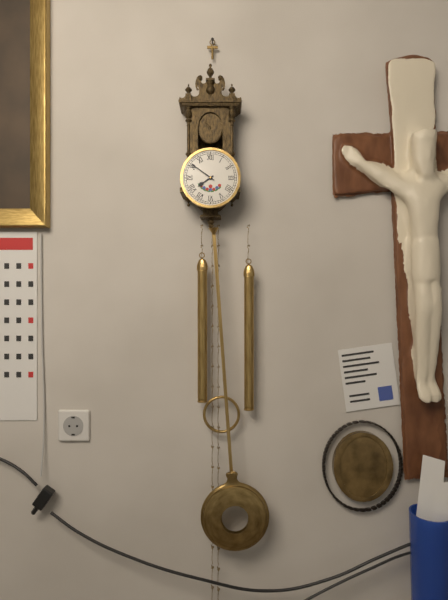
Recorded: h=7 m=51
